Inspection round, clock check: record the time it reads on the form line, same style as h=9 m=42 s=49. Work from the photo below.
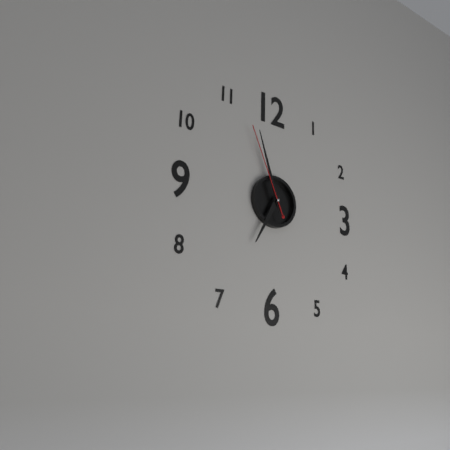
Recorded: h=6 m=57 s=56
